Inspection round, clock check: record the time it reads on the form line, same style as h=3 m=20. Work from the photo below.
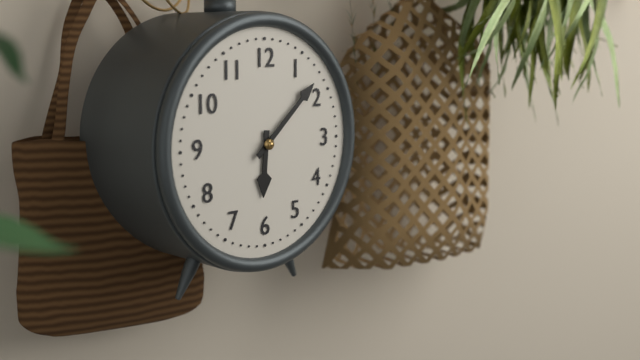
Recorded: h=6 m=8
